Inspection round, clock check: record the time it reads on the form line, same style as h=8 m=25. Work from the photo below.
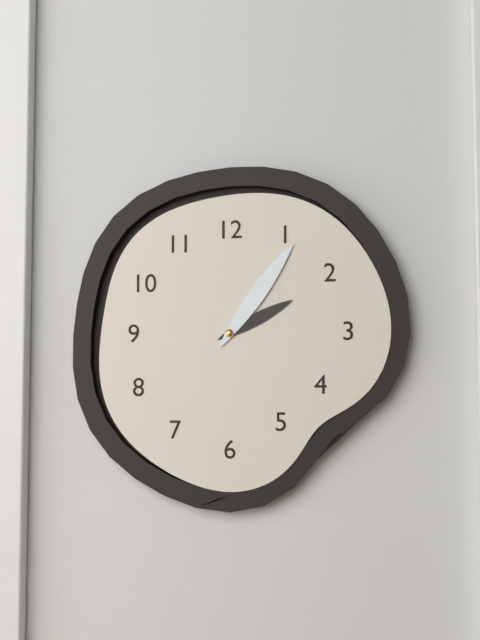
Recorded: h=2 m=6
